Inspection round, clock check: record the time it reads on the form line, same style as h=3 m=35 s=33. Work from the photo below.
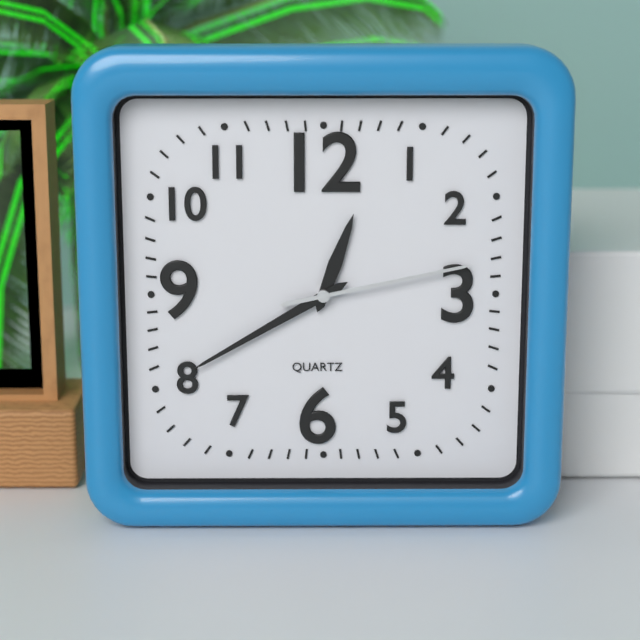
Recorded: h=12 m=40 s=13
